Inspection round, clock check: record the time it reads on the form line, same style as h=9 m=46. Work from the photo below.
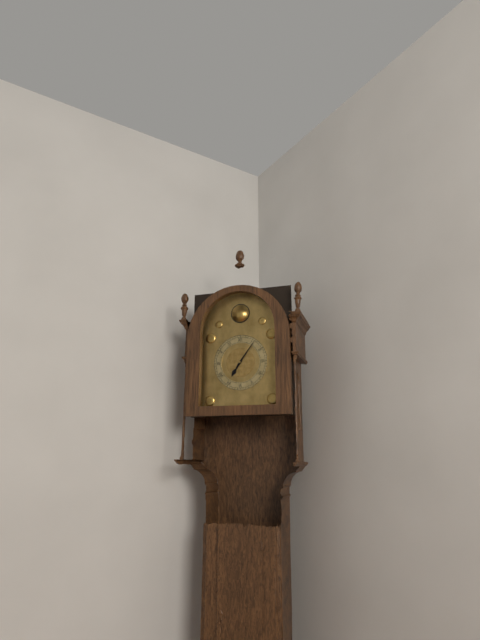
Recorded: h=7 m=6
